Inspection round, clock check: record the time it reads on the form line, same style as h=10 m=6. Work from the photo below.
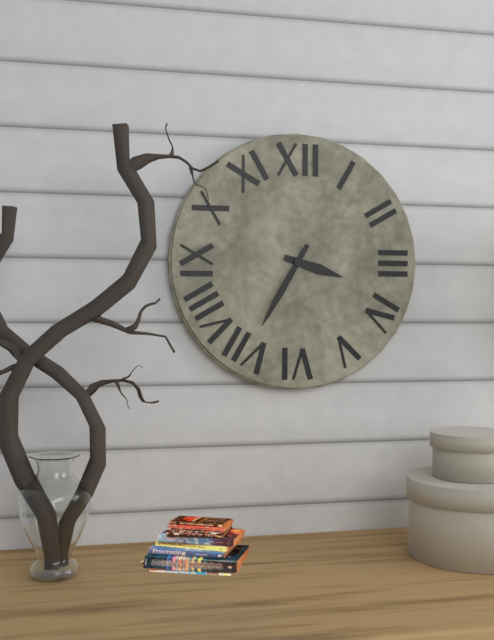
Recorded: h=3 m=35
